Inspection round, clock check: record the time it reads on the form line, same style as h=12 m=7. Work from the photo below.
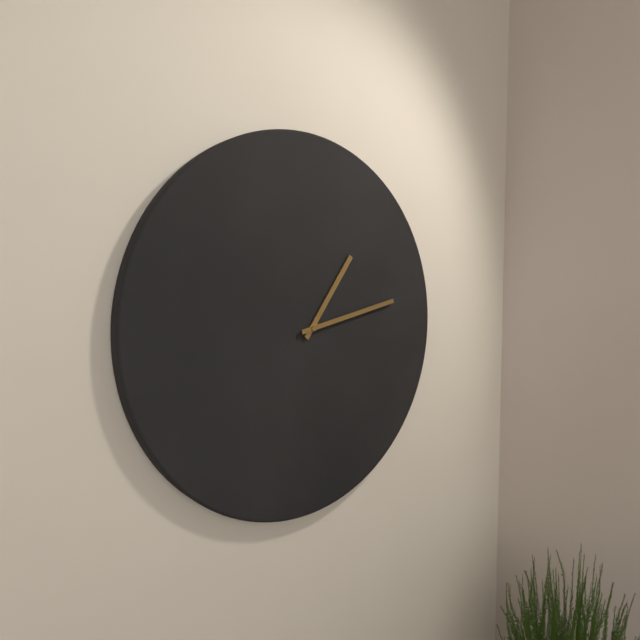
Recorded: h=1 m=13
